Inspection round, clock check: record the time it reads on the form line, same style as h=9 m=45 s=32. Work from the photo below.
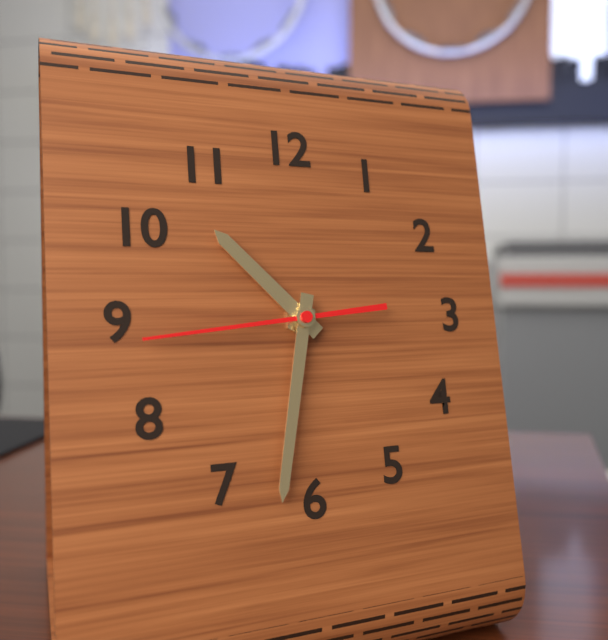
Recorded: h=10 m=32 s=44
